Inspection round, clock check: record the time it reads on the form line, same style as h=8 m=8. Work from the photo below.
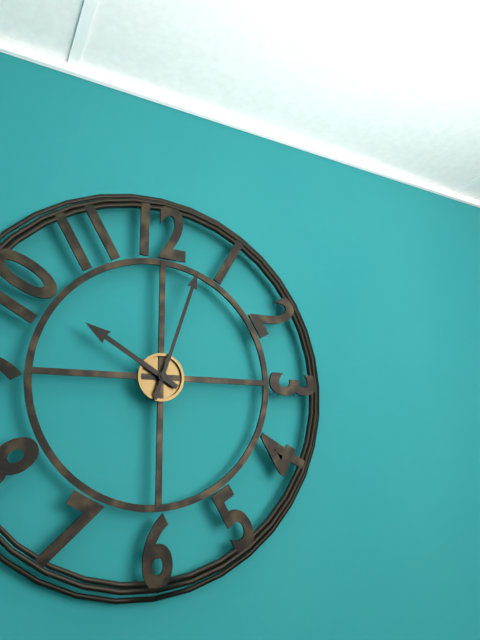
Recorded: h=10 m=3
